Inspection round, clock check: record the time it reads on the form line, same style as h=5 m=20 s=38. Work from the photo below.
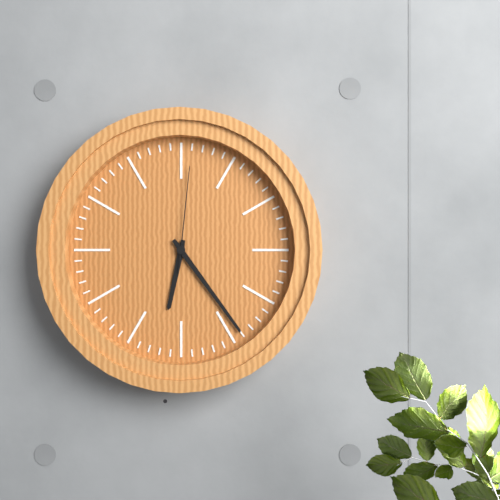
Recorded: h=6 m=24 s=1
